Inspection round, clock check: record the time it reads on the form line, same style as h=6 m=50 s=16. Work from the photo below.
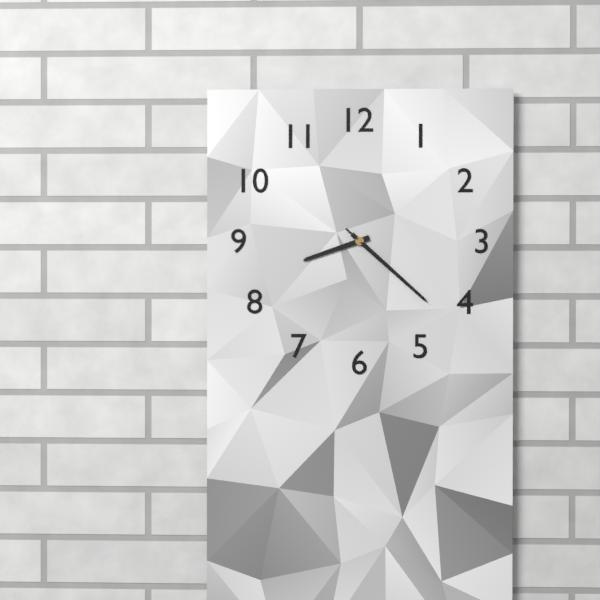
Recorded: h=8 m=22 s=22
